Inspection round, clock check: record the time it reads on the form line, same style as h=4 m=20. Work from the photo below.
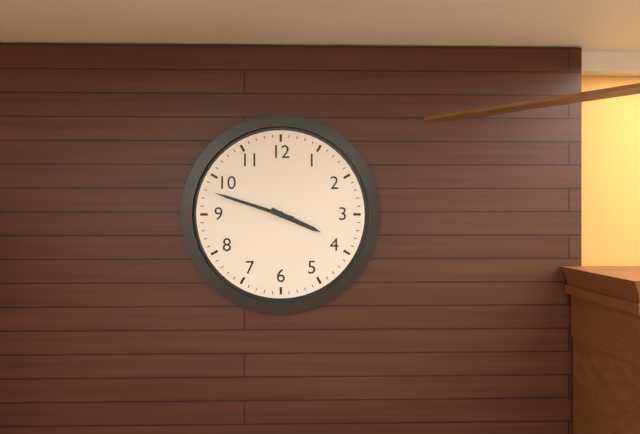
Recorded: h=3 m=48
